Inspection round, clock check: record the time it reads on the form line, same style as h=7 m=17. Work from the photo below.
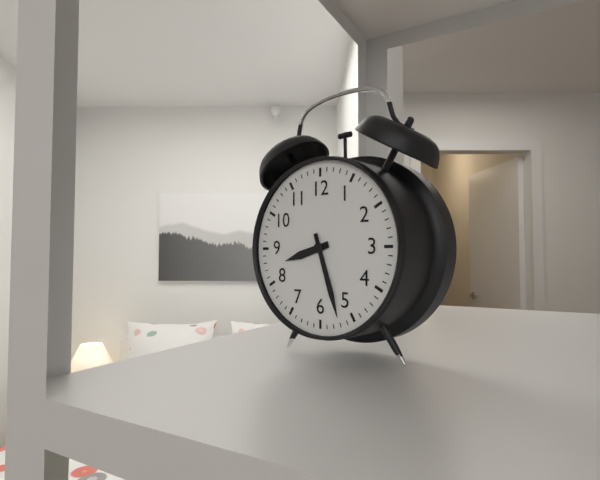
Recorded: h=8 m=27
